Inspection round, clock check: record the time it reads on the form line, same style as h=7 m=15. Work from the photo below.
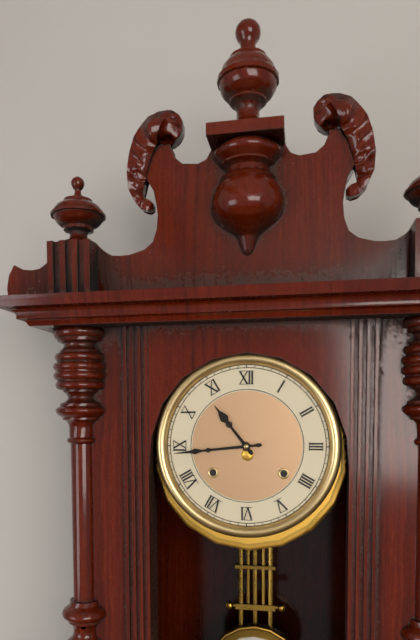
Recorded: h=10 m=44
